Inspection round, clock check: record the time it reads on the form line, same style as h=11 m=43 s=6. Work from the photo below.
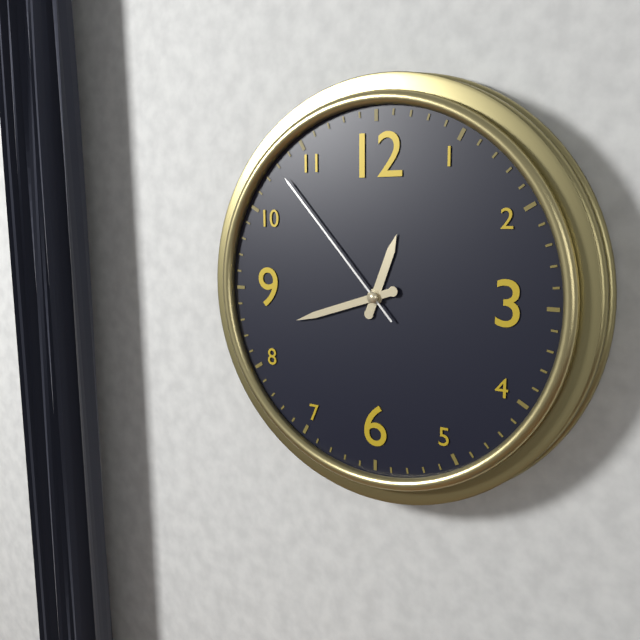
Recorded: h=12 m=42 s=53
